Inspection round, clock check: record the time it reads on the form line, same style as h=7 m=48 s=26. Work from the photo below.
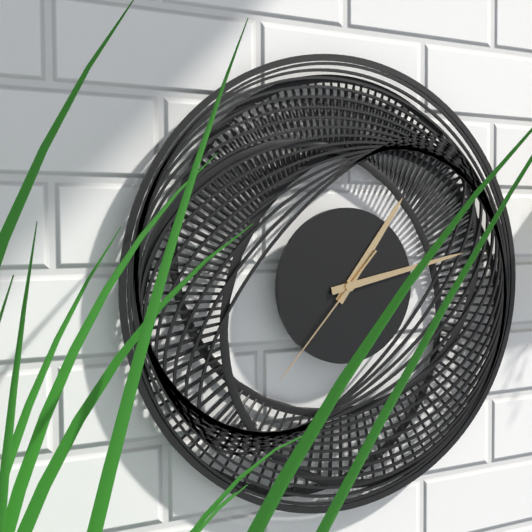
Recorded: h=1 m=13 s=37
